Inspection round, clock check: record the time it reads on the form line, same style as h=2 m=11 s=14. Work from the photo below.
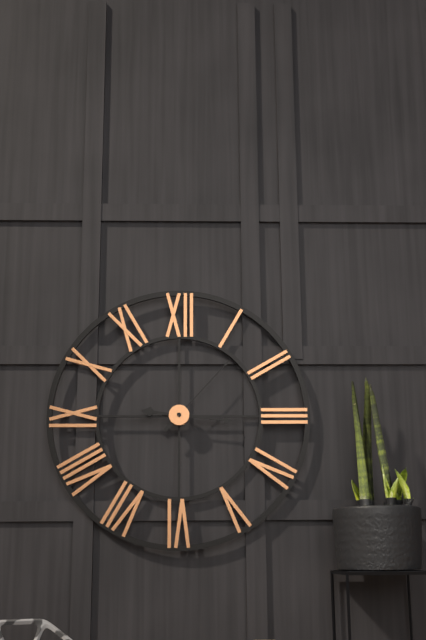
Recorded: h=9 m=16 s=7
